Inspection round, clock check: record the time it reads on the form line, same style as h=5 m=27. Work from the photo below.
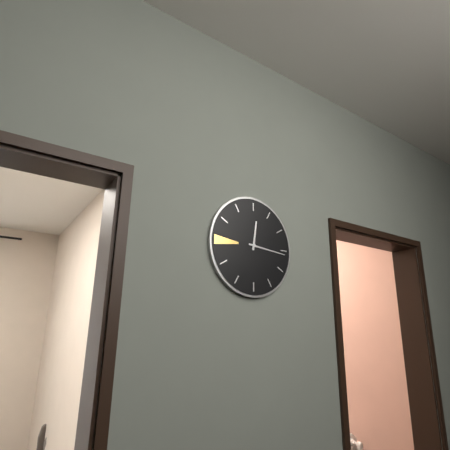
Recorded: h=12 m=16
